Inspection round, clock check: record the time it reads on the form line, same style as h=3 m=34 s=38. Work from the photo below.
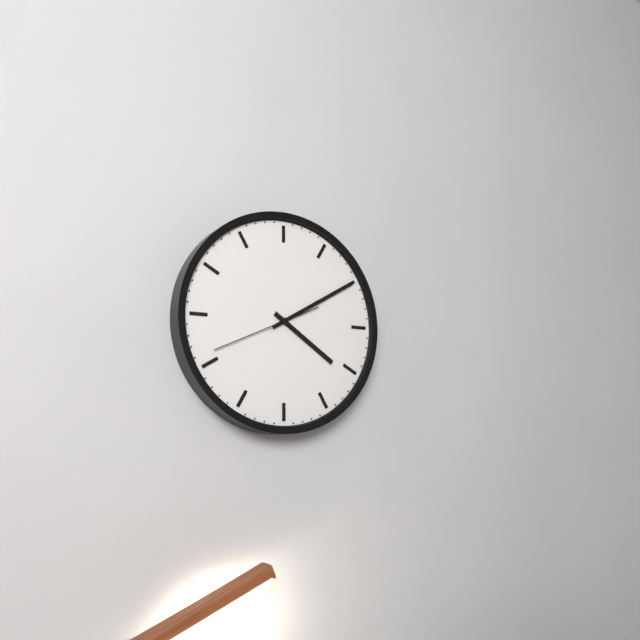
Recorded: h=4 m=10 s=41
